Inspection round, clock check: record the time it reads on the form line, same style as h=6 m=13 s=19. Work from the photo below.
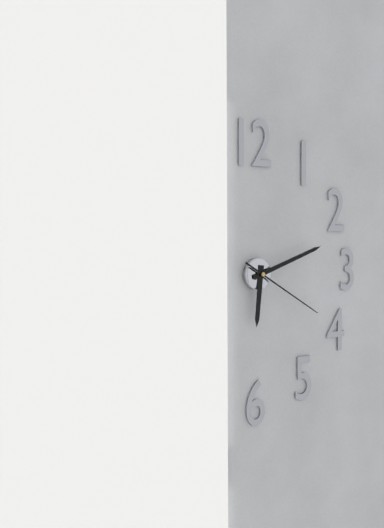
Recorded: h=6 m=12 s=20
